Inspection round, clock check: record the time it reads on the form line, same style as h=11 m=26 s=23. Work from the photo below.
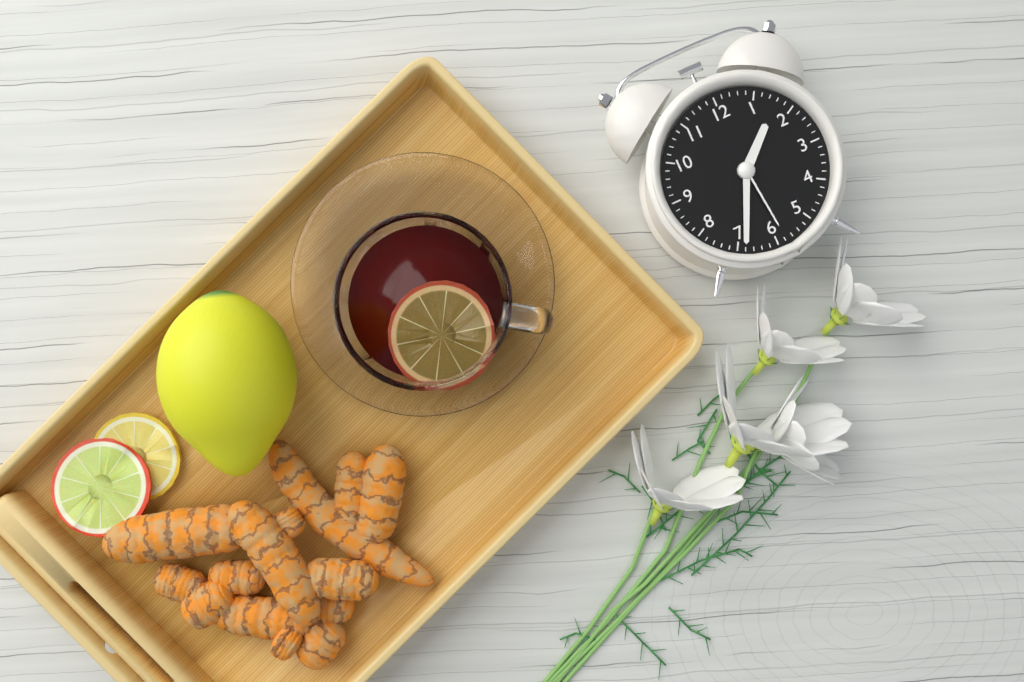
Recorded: h=1 m=34 s=29
